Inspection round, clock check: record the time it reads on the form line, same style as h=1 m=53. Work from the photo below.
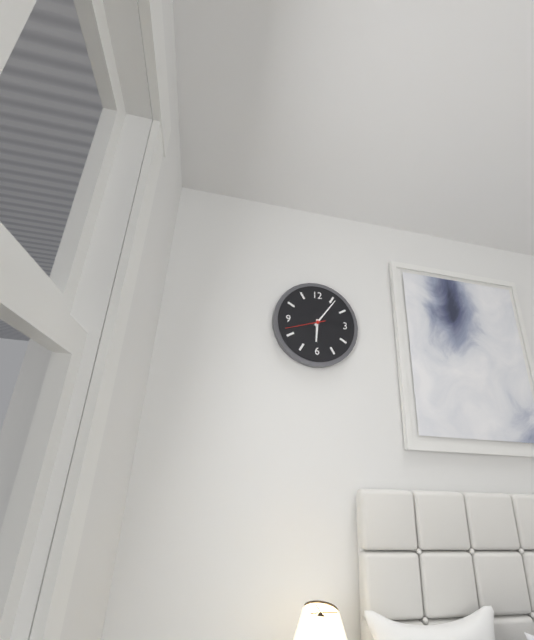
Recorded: h=6 m=6
